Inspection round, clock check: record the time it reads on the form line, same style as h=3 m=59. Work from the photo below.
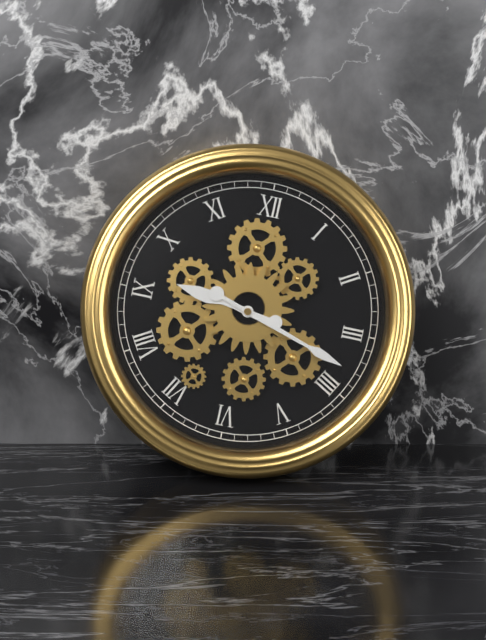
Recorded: h=9 m=18
